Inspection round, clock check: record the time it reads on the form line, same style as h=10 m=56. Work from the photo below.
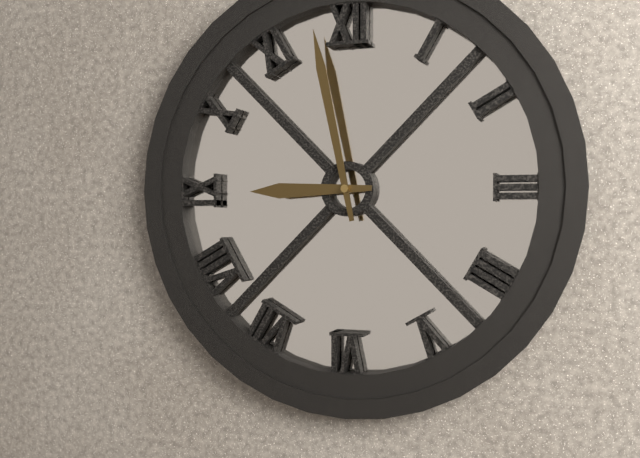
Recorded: h=8 m=58
